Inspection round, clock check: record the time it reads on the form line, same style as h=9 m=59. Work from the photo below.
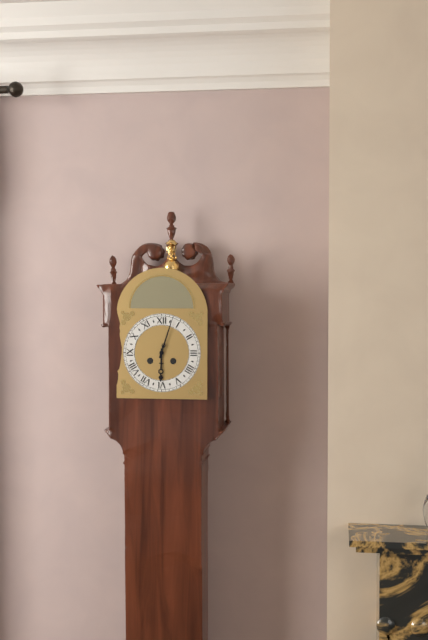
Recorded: h=6 m=3
